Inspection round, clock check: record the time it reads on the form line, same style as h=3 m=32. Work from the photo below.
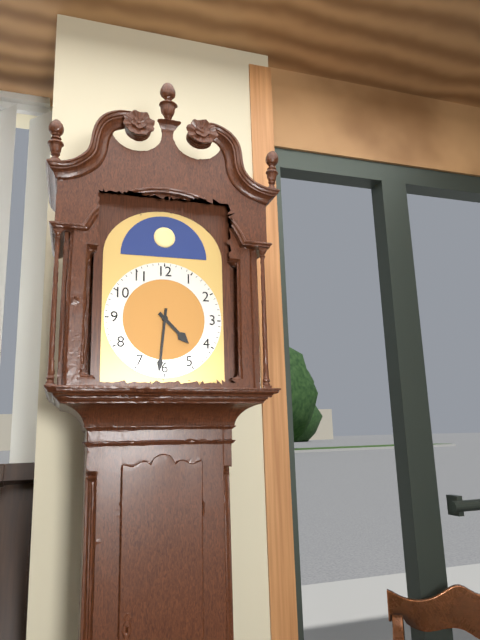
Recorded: h=4 m=31
